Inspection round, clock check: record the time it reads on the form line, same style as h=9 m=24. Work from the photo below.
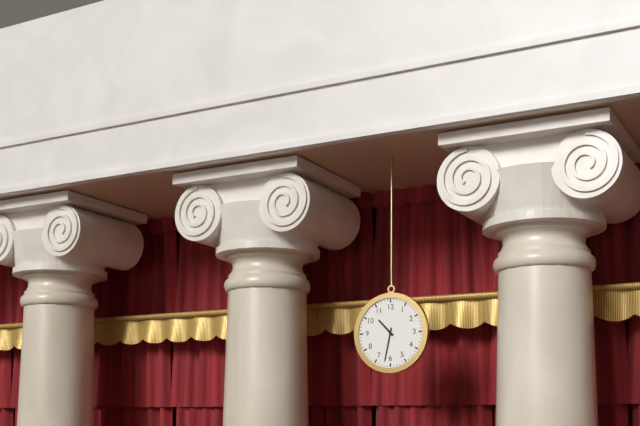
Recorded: h=10 m=32
